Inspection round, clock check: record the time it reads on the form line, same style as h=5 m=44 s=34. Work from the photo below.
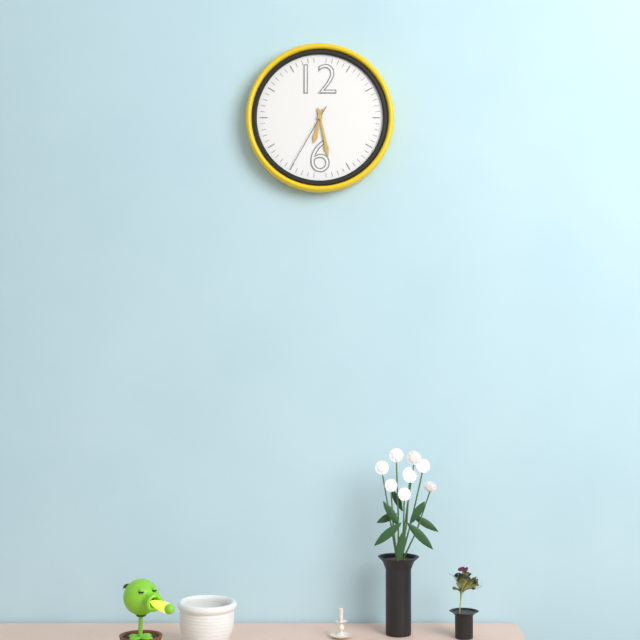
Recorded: h=6 m=28 s=35
